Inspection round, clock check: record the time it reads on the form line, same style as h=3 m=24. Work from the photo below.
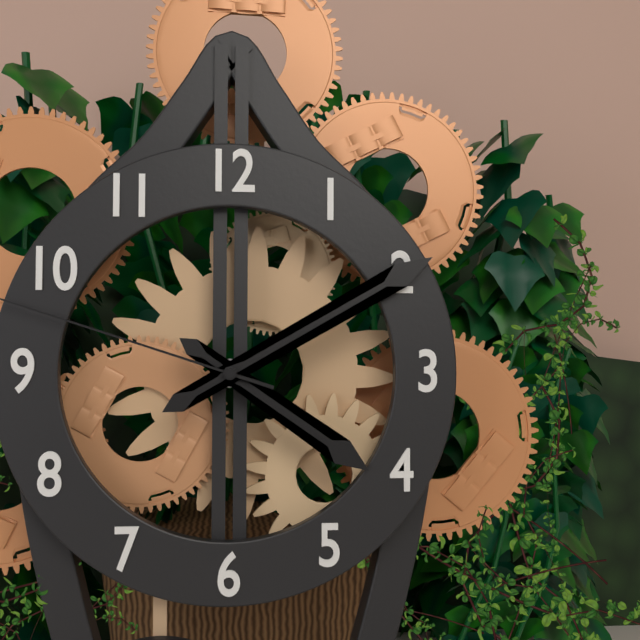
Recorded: h=4 m=10
